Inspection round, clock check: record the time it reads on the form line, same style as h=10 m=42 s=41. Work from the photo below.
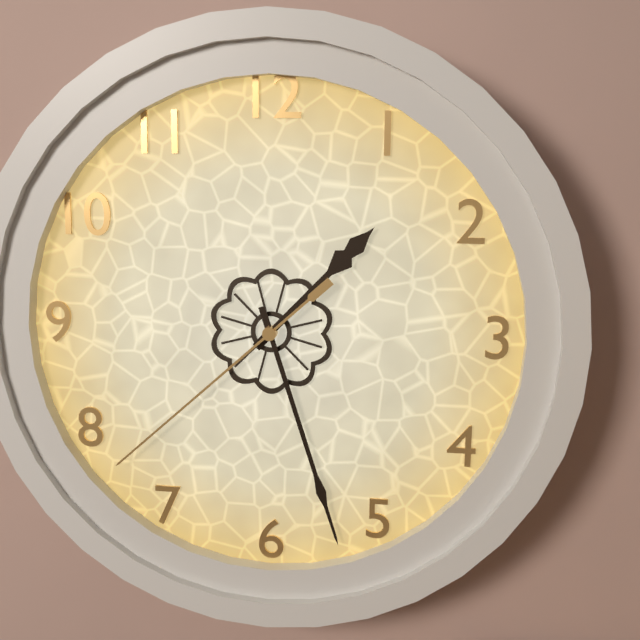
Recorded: h=1 m=27 s=38
